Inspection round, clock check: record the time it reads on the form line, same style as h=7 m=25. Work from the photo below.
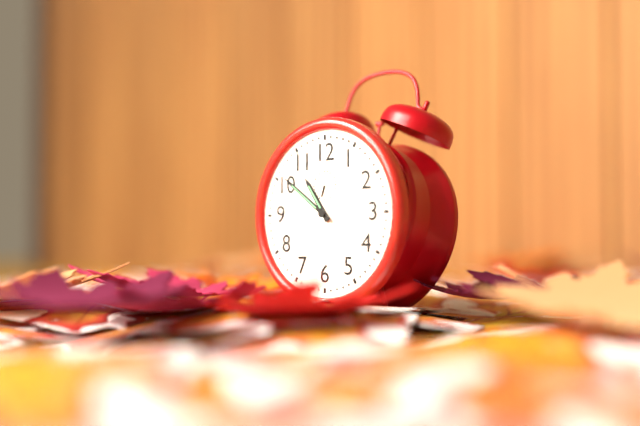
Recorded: h=10 m=51
